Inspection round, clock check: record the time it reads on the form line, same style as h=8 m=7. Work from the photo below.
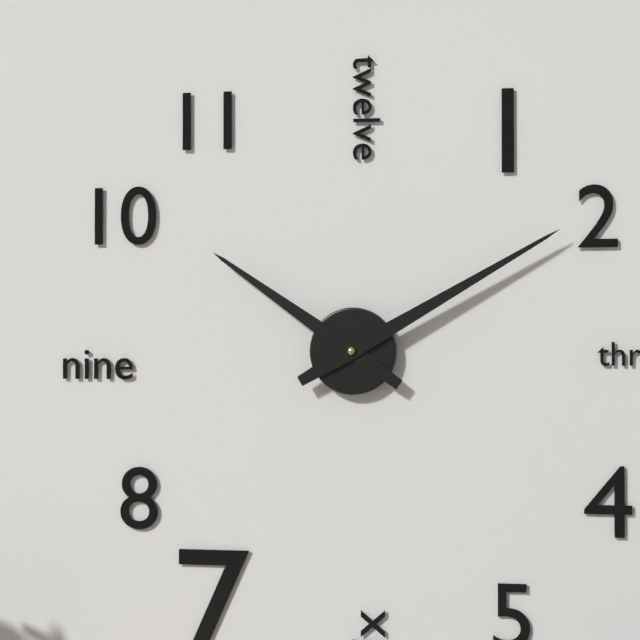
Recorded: h=10 m=10
